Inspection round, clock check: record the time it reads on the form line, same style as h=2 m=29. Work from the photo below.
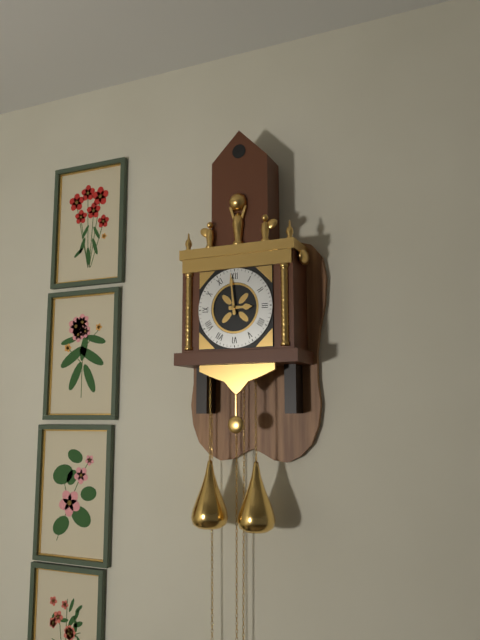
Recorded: h=2 m=59
